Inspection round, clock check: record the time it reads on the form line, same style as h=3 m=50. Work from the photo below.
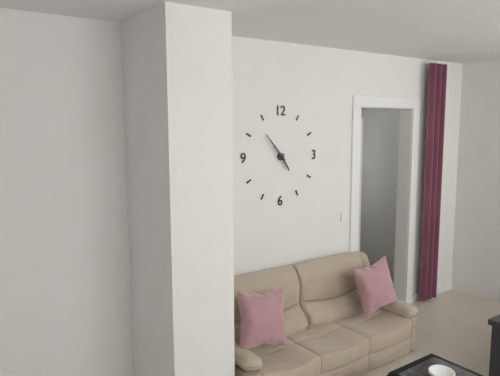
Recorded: h=4 m=53
